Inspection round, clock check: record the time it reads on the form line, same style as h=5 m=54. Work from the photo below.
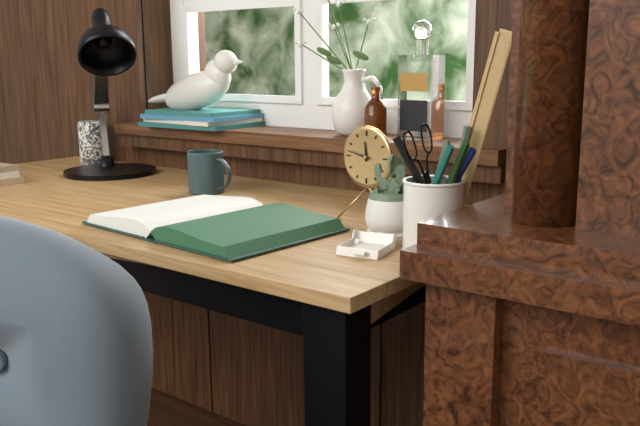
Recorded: h=11 m=47
